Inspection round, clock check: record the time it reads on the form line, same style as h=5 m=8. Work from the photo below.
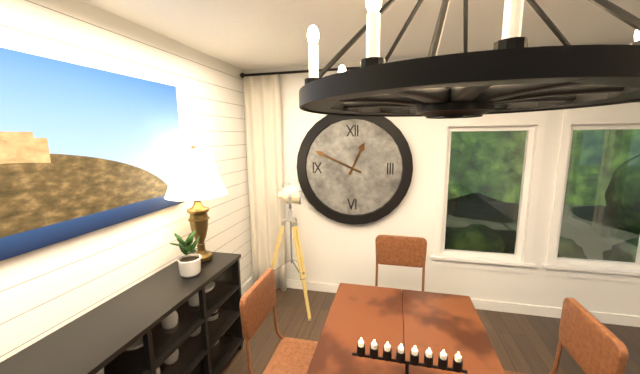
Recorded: h=12 m=49
